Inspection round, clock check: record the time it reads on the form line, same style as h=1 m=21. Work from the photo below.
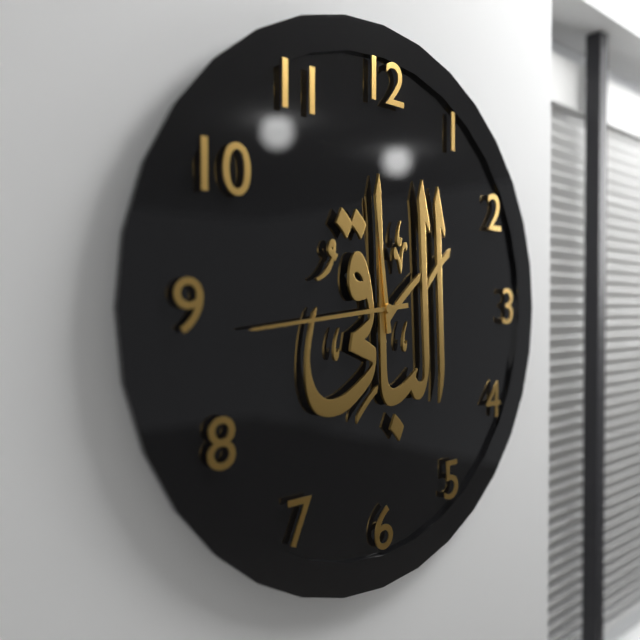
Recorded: h=11 m=44
